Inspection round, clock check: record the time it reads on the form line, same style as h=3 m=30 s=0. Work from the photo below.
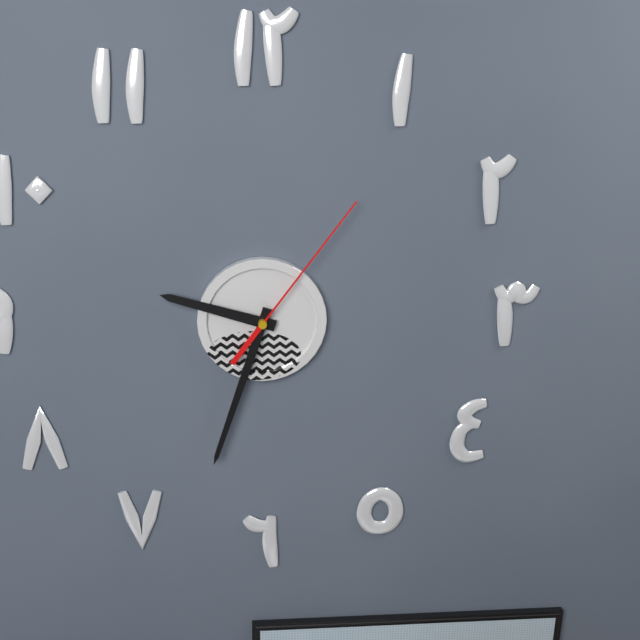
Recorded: h=9 m=33 s=6
